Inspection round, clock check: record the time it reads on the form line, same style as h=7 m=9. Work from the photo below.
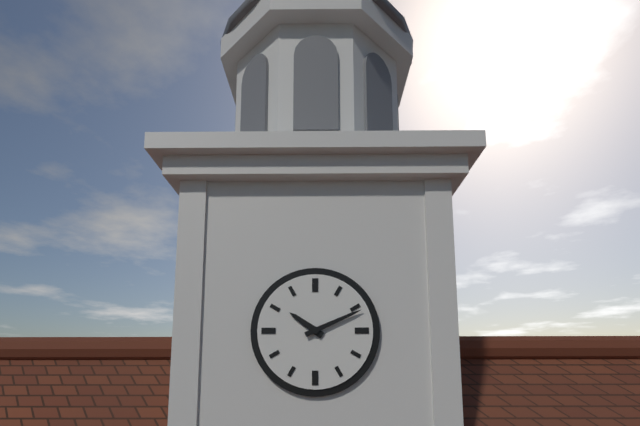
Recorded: h=10 m=11
